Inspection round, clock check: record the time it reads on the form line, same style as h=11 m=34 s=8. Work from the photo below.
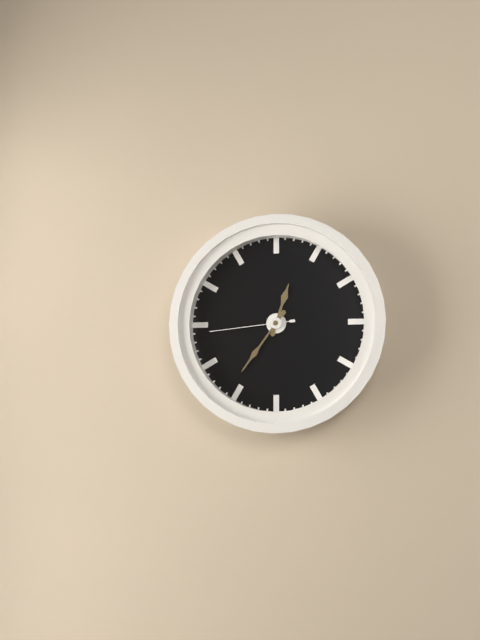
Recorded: h=12 m=36 s=44
